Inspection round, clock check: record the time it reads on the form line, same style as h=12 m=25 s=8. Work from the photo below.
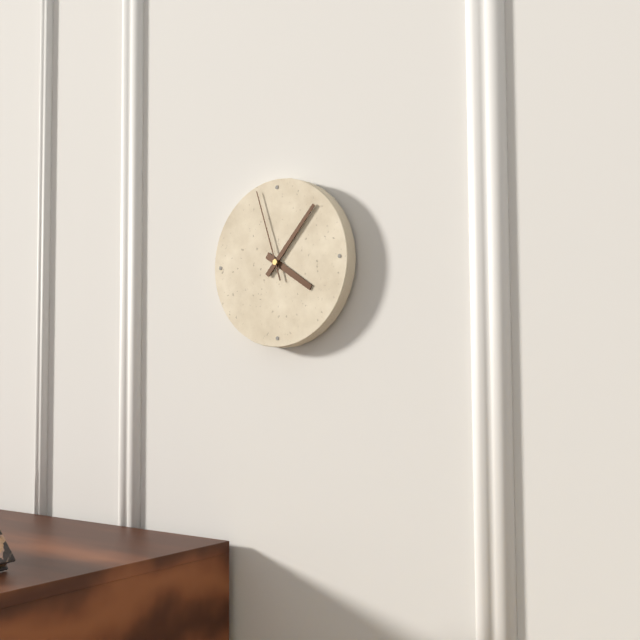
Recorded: h=4 m=7 s=57
